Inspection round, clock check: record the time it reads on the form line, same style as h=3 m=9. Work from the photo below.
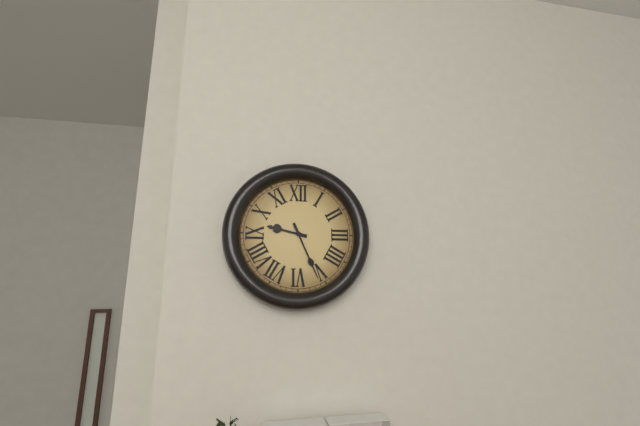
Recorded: h=9 m=26
